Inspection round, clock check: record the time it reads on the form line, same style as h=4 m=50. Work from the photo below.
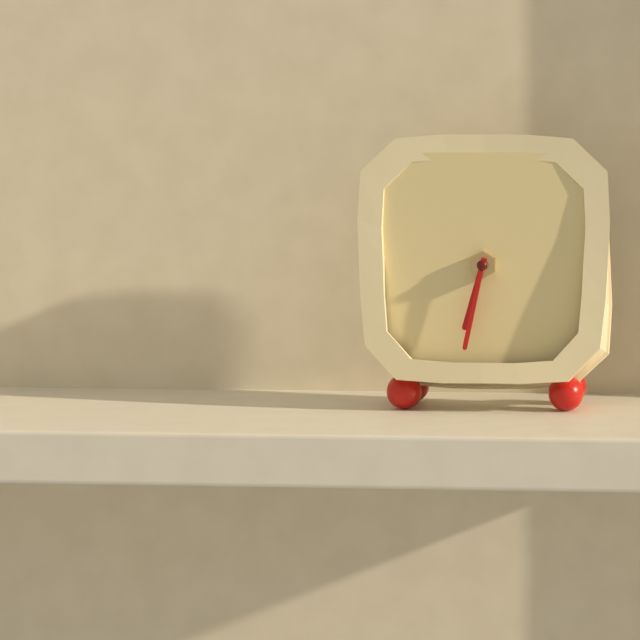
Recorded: h=6 m=32
